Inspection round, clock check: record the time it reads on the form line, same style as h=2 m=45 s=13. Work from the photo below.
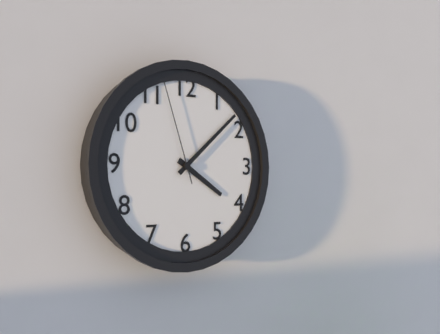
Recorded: h=4 m=8 s=57
